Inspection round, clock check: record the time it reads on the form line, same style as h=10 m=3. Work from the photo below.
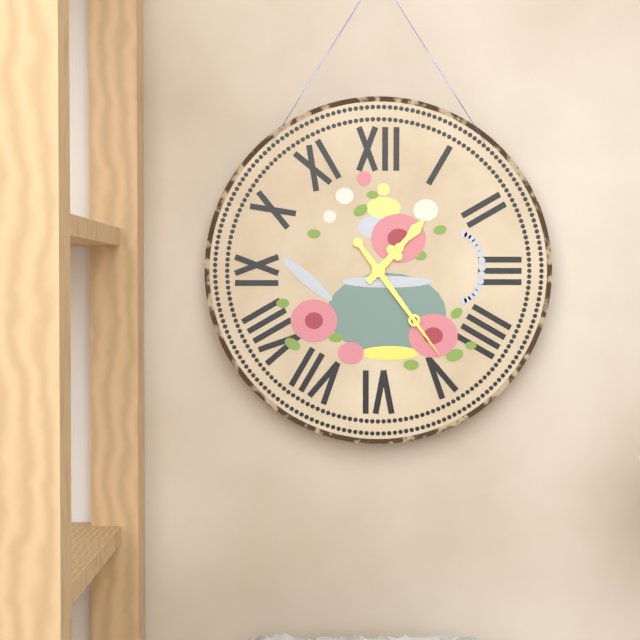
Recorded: h=1 m=24
